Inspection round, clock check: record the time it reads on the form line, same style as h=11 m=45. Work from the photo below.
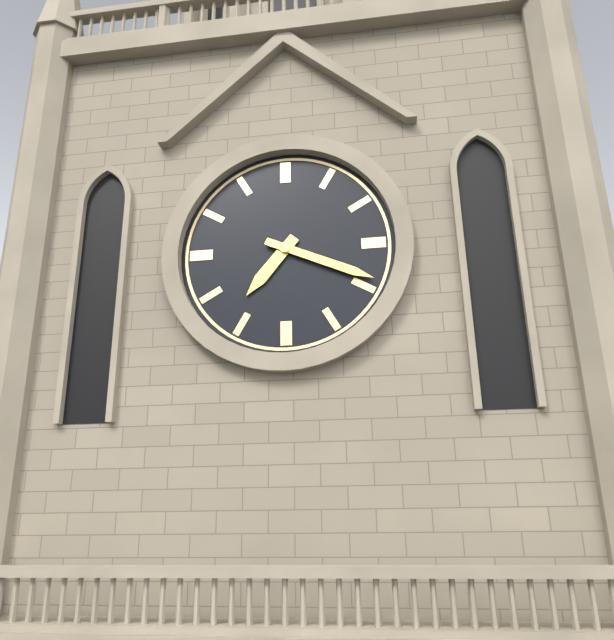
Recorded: h=7 m=19
